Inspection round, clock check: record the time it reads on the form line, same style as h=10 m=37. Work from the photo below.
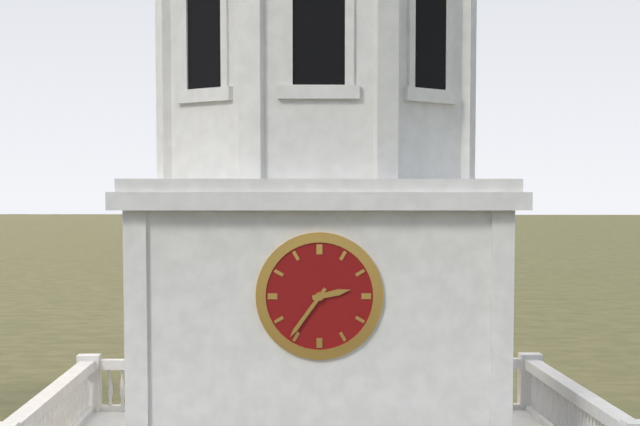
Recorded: h=2 m=36
